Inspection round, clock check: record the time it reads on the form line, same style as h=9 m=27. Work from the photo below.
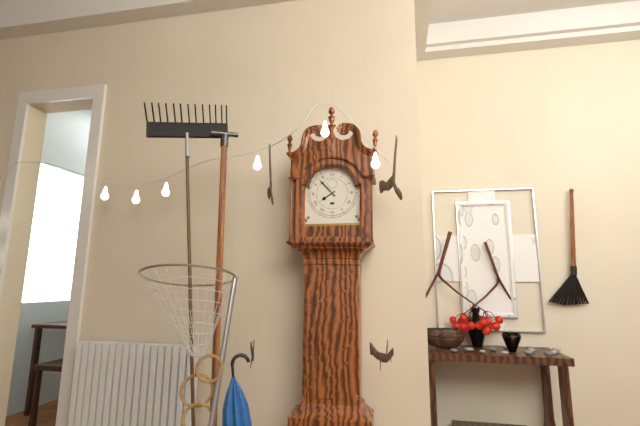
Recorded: h=7 m=53
